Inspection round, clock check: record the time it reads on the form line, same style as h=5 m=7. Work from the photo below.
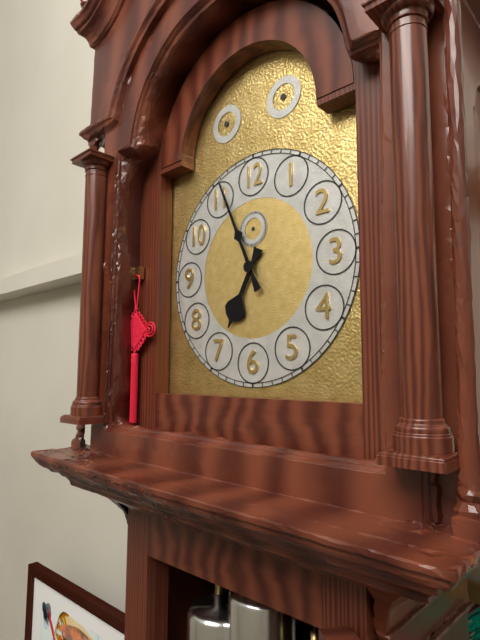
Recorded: h=6 m=56
